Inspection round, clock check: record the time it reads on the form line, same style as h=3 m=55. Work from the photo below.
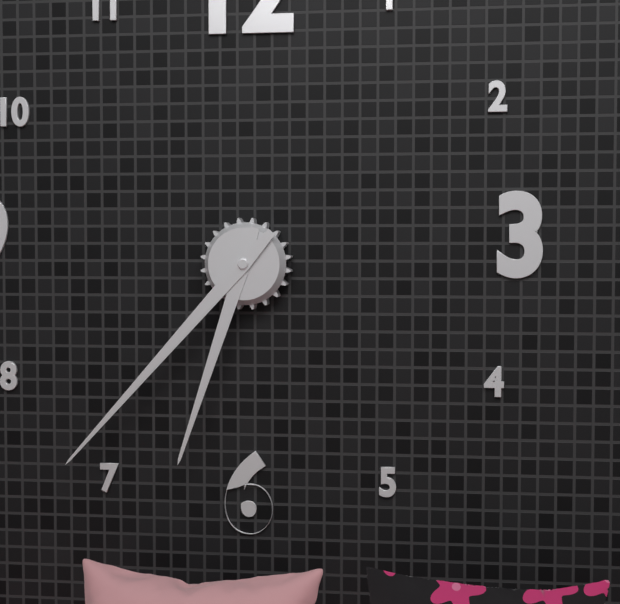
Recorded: h=6 m=37
